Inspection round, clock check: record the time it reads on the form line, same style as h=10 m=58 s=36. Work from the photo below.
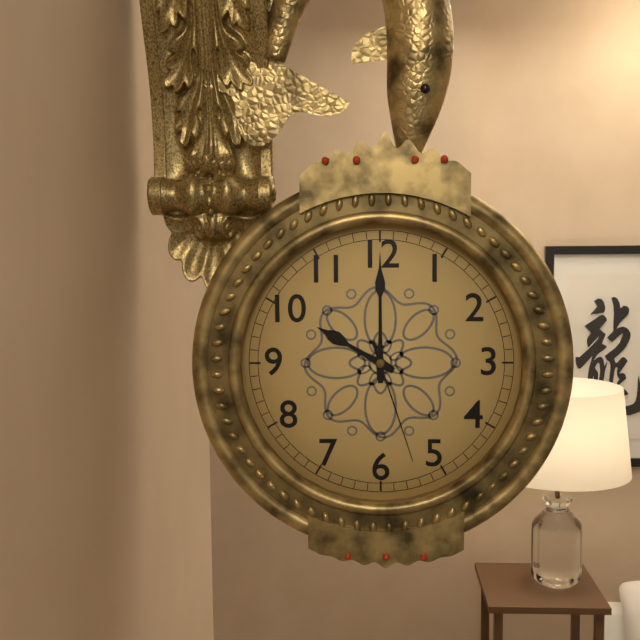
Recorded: h=10 m=0 s=27
